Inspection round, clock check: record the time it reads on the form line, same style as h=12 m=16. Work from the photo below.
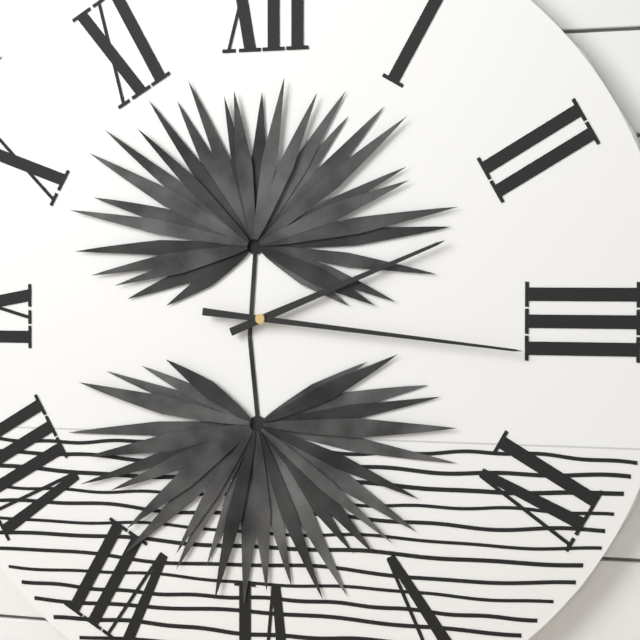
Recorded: h=2 m=16
